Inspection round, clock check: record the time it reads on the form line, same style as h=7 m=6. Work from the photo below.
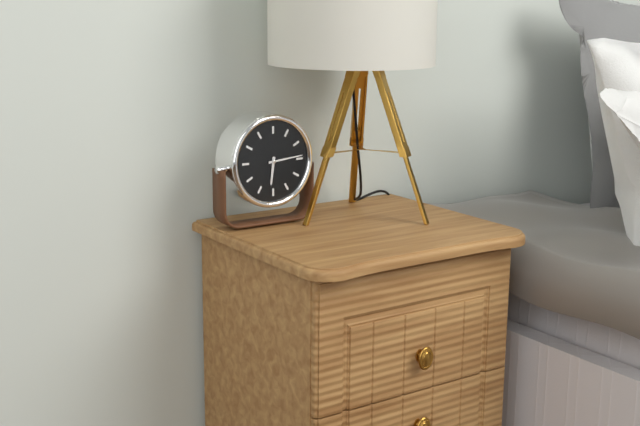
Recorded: h=6 m=14
